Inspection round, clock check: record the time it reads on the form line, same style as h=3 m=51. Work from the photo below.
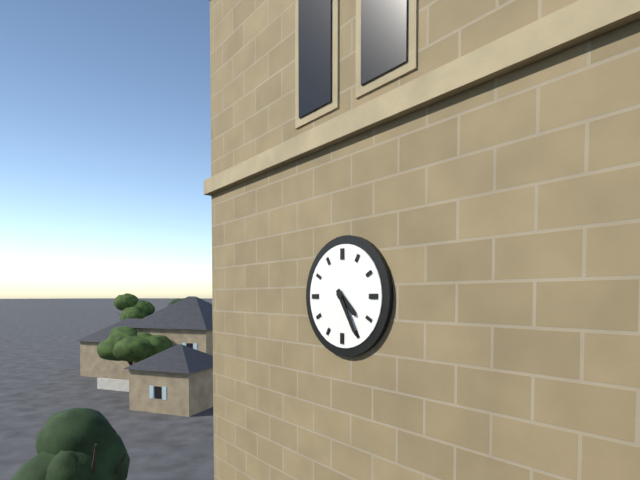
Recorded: h=4 m=25
